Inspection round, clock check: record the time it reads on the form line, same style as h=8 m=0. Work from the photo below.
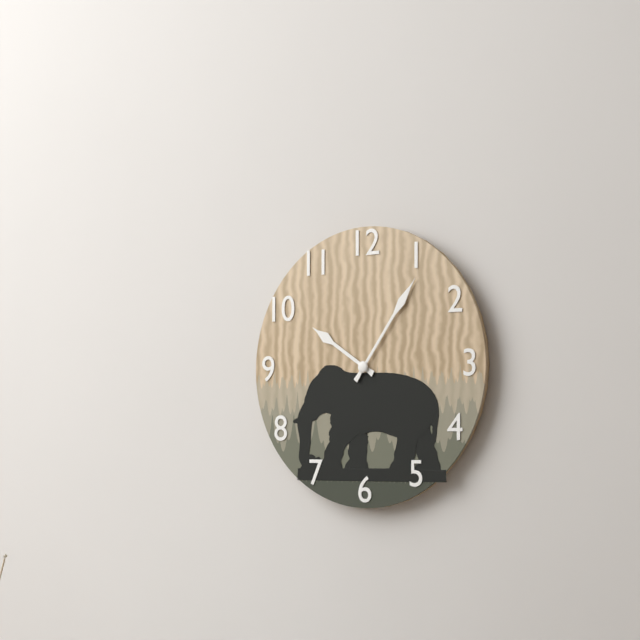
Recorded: h=10 m=6
